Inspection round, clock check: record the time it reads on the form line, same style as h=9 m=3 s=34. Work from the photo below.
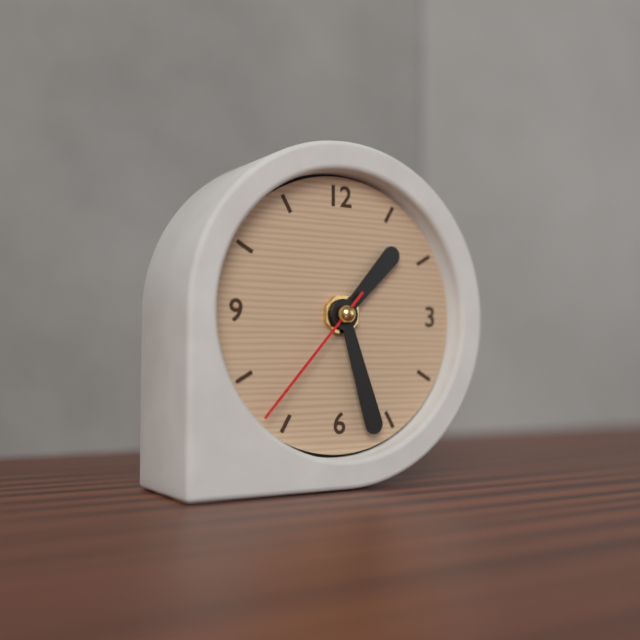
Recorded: h=1 m=27 s=37
